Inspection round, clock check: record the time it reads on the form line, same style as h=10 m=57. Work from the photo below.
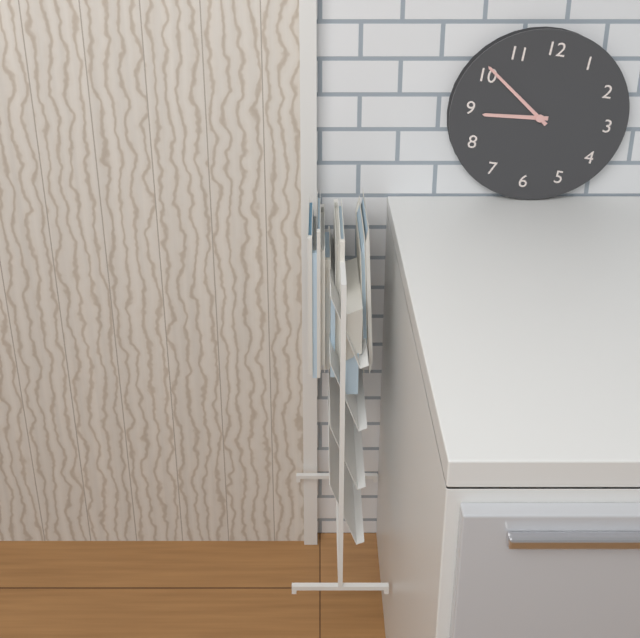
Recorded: h=8 m=51
